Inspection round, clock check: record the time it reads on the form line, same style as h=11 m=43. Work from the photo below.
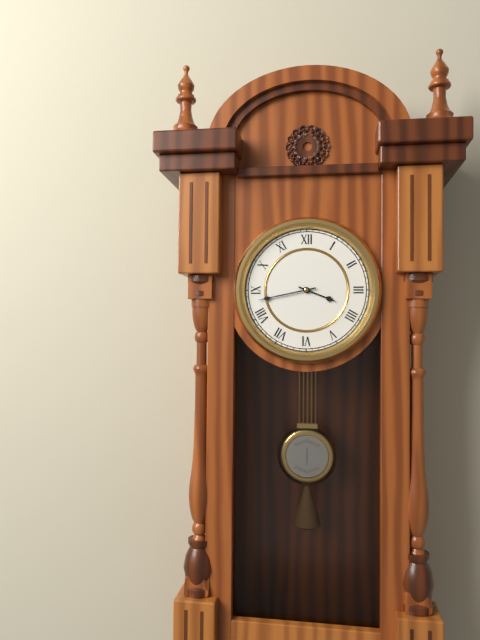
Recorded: h=3 m=43
